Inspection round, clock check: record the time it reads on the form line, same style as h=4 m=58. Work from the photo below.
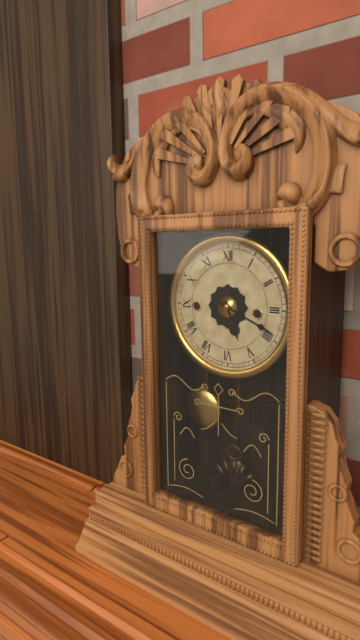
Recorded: h=5 m=19
